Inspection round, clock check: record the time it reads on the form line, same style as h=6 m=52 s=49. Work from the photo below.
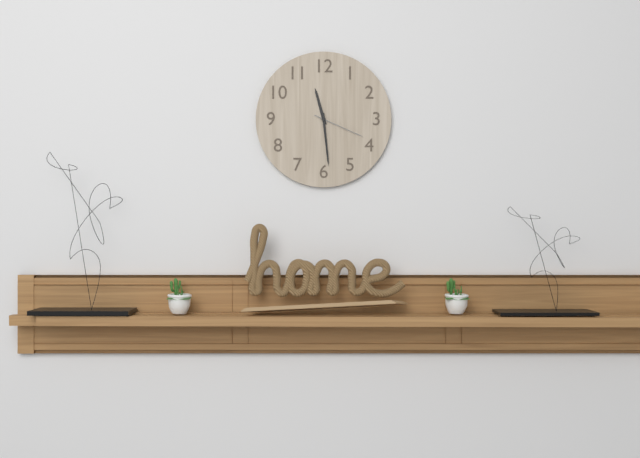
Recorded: h=11 m=29 s=19
